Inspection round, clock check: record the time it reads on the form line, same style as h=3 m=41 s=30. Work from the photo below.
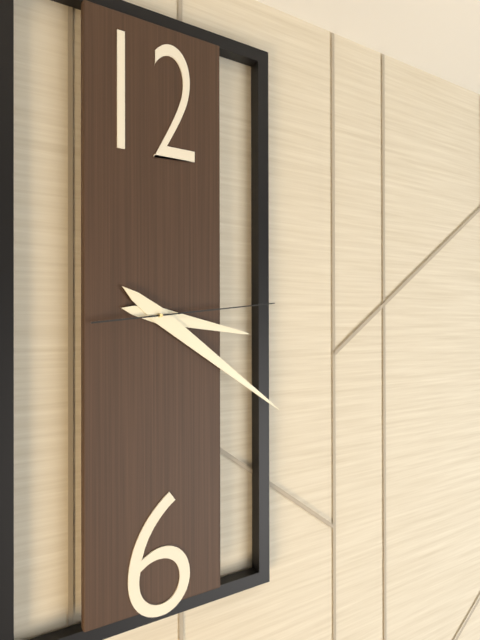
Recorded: h=3 m=21 s=14
